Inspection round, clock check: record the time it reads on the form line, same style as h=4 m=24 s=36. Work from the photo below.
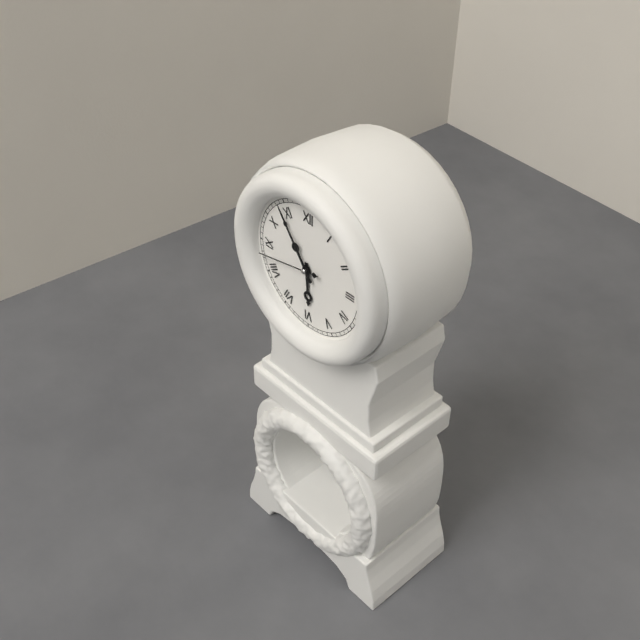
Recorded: h=5 m=54 s=43
